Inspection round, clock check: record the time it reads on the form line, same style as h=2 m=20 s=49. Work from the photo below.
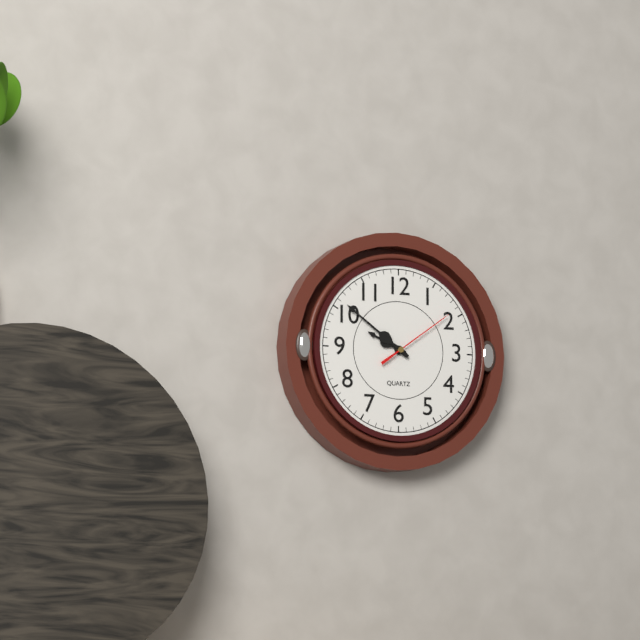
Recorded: h=9 m=51 s=9
